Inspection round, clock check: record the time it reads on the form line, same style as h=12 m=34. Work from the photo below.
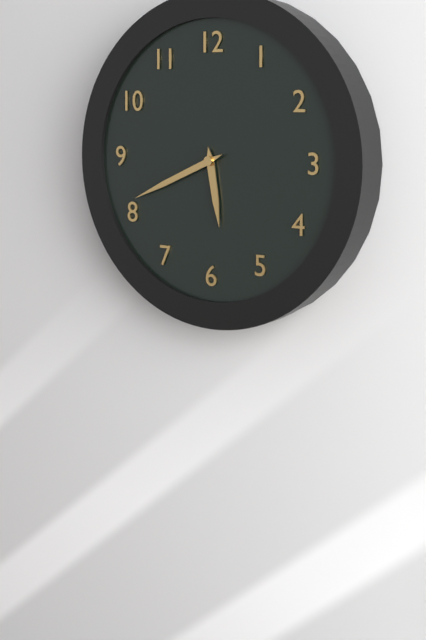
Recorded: h=5 m=41
